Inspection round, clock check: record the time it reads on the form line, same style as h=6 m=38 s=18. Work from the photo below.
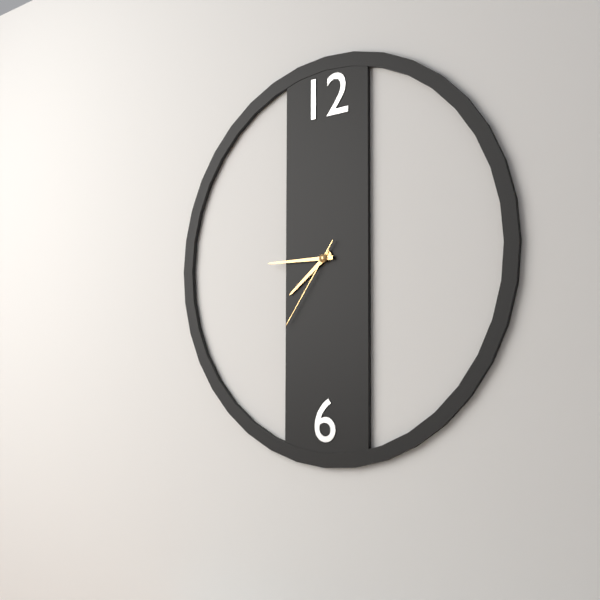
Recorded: h=7 m=45 s=36
